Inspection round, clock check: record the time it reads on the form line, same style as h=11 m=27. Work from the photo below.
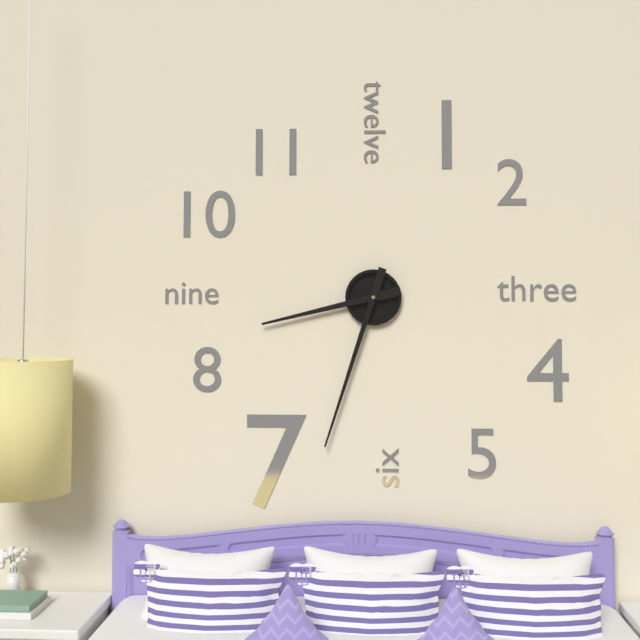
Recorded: h=8 m=33
